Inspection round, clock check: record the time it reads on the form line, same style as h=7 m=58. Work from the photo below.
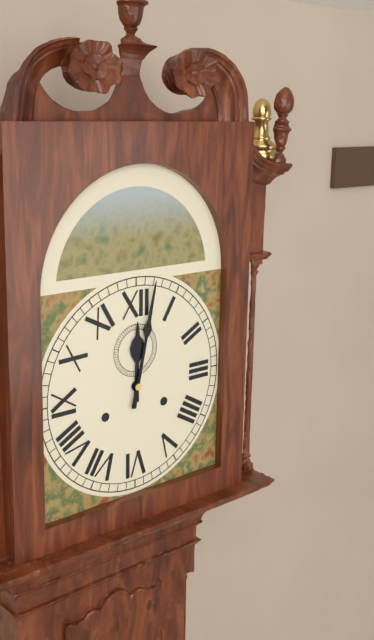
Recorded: h=12 m=2
